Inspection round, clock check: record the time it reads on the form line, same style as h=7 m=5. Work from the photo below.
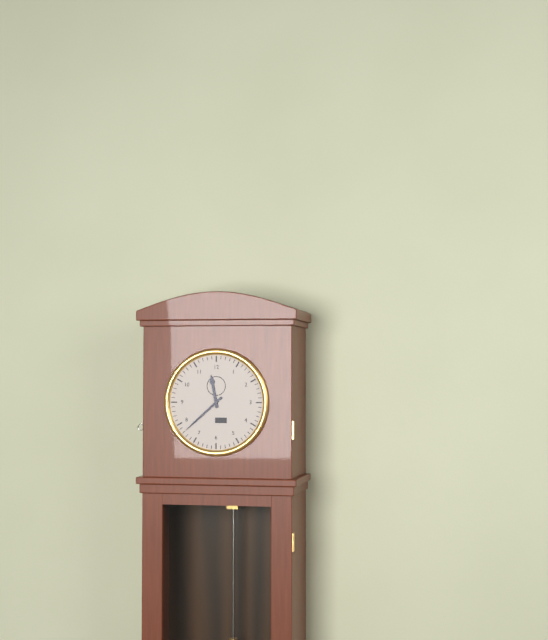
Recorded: h=11 m=38
